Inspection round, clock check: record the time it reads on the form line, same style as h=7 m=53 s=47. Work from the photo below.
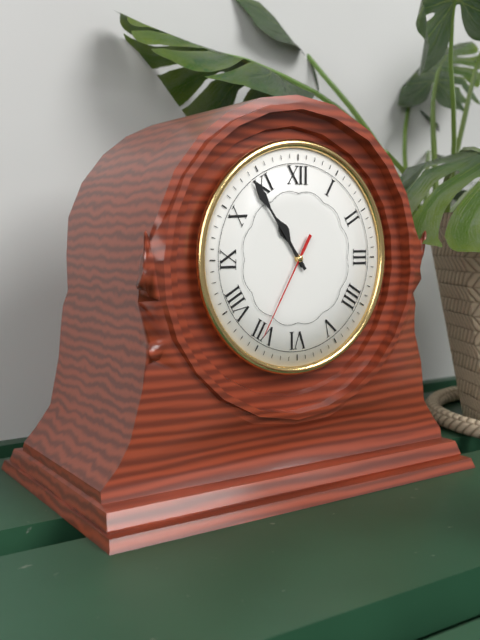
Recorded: h=10 m=54 s=35
